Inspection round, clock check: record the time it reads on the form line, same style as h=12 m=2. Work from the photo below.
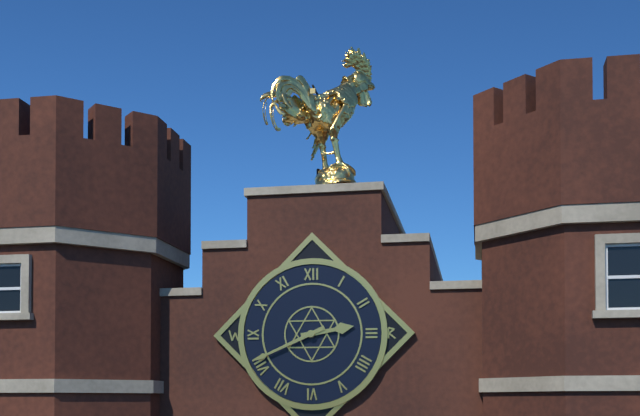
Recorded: h=2 m=41
